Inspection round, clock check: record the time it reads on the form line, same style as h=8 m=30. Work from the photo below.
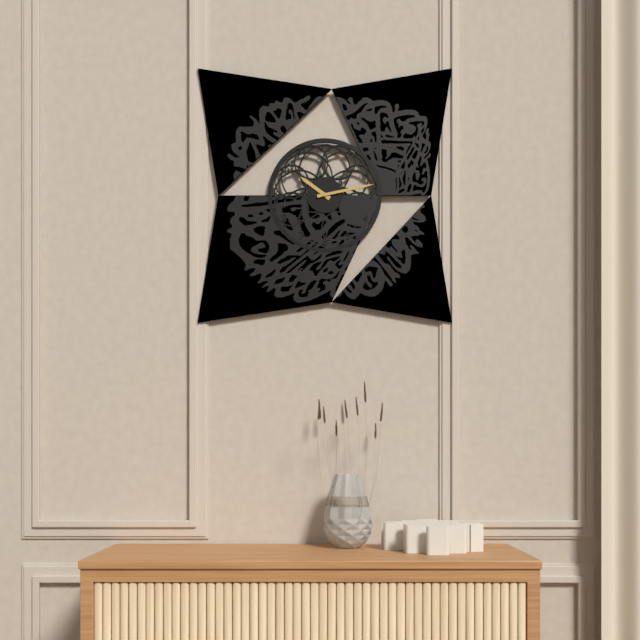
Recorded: h=10 m=13
